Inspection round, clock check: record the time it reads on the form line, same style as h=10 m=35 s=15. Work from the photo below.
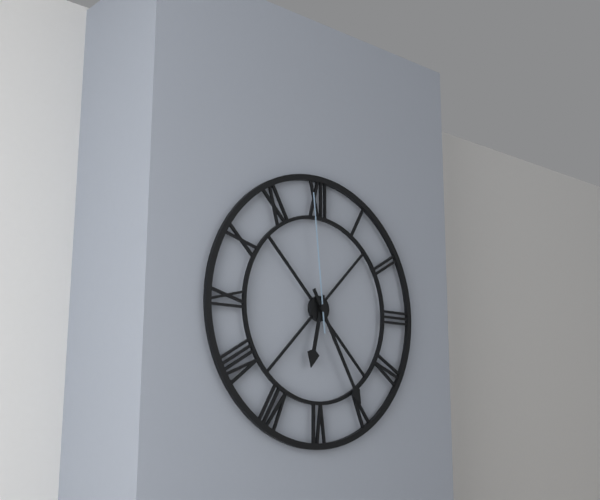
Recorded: h=6 m=25 s=59
